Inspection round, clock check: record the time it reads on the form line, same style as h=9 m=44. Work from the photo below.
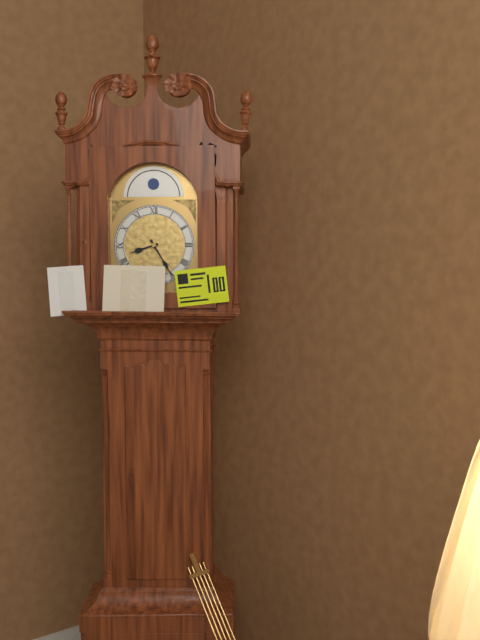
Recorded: h=8 m=25
